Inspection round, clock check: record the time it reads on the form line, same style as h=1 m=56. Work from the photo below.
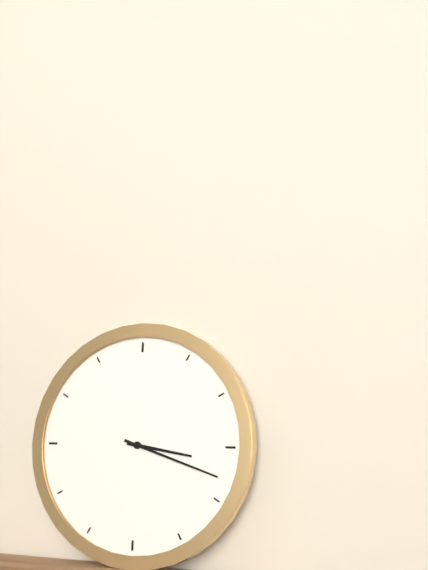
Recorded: h=3 m=18
